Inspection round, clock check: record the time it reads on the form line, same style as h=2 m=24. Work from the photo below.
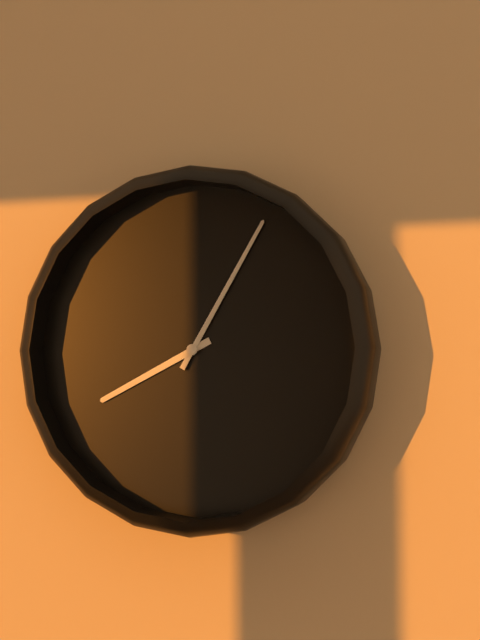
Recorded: h=8 m=5
